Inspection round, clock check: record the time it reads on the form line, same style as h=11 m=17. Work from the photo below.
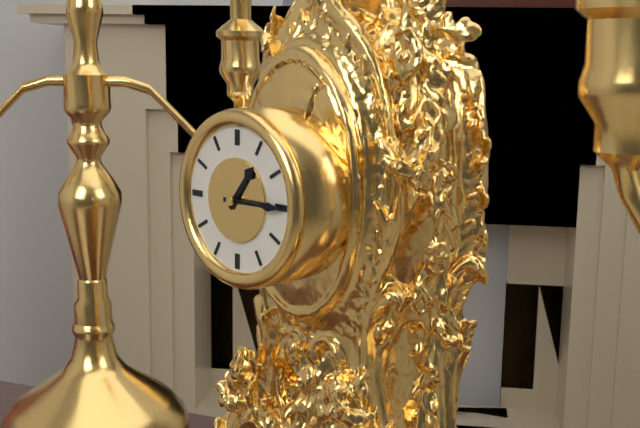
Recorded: h=1 m=15
